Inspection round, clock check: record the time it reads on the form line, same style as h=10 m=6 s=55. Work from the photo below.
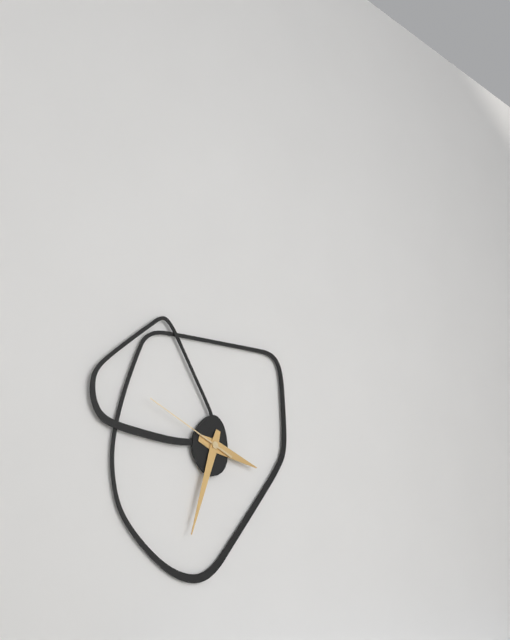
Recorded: h=3 m=33 s=49
